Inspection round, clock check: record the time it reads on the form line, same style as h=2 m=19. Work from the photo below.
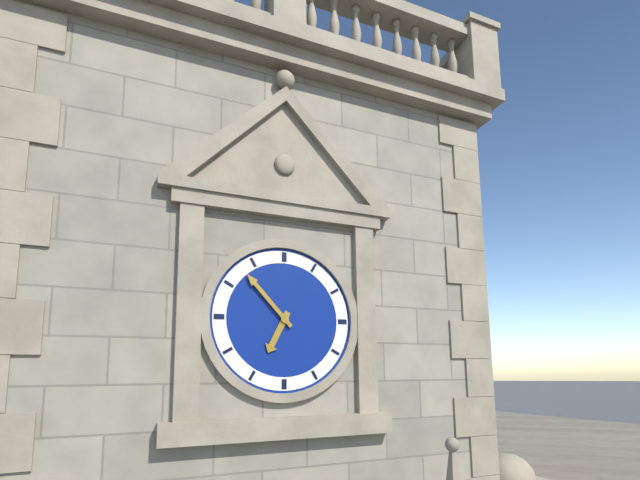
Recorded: h=6 m=53
